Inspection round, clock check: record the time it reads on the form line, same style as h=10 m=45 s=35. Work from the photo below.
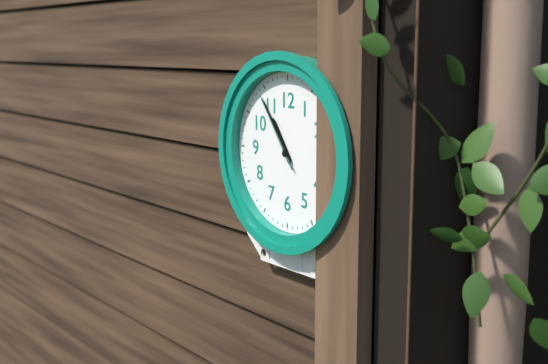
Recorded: h=10 m=54 s=54
